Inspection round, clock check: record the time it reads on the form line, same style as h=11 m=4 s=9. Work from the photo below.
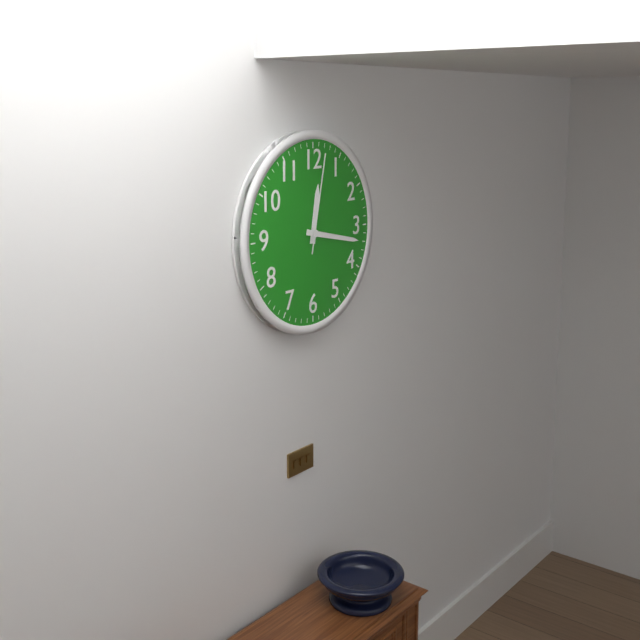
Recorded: h=12 m=17 s=2
